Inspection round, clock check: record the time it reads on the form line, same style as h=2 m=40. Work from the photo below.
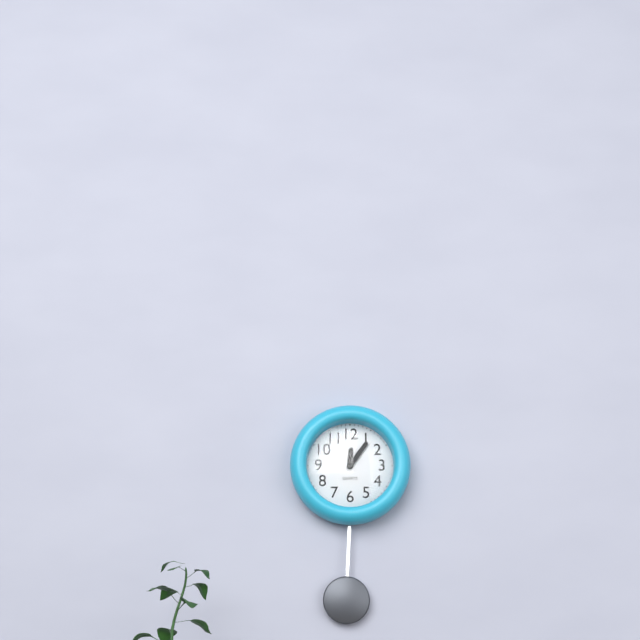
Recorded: h=12 m=6
